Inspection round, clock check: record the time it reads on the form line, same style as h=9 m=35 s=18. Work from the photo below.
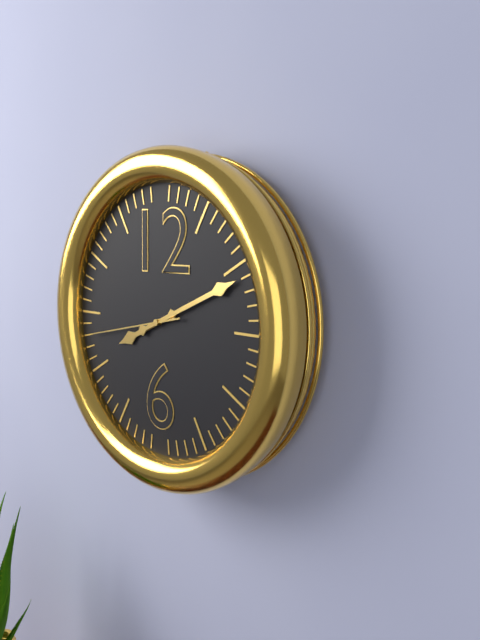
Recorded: h=8 m=11 s=43
